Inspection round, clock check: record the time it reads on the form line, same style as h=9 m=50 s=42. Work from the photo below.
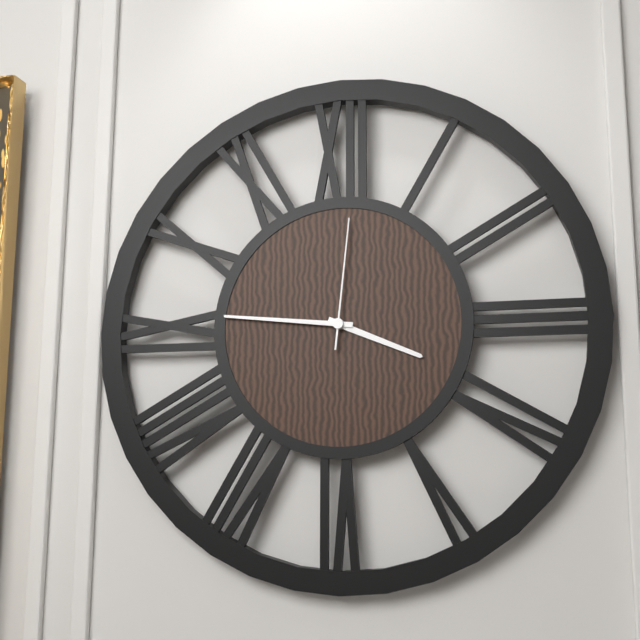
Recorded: h=3 m=46 s=1
